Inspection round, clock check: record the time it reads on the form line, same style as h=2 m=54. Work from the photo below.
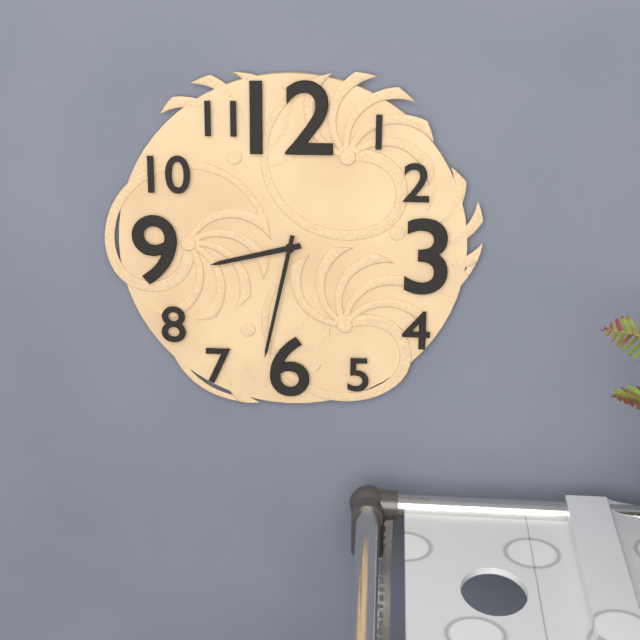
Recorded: h=8 m=32
